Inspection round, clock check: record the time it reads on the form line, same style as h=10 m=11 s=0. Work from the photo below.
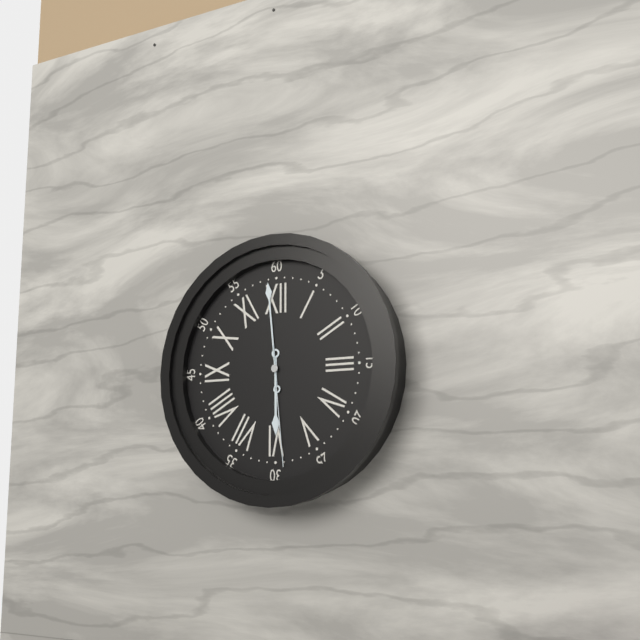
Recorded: h=5 m=59 s=29
